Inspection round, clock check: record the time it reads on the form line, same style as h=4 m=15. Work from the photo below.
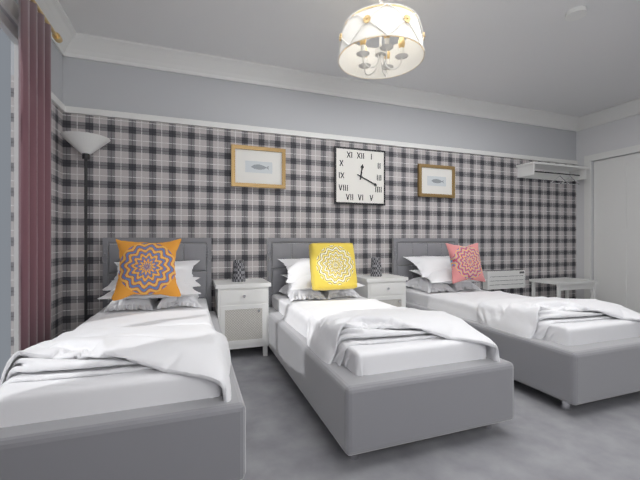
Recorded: h=12 m=19
